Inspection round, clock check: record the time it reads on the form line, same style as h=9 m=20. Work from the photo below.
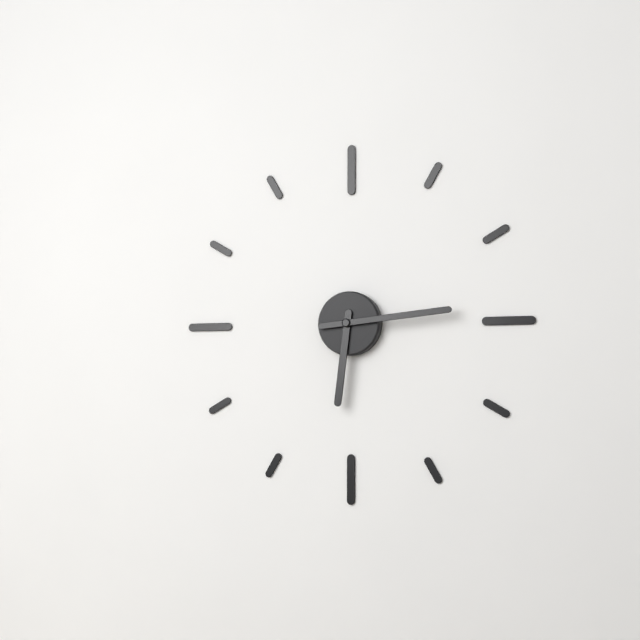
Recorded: h=6 m=14
